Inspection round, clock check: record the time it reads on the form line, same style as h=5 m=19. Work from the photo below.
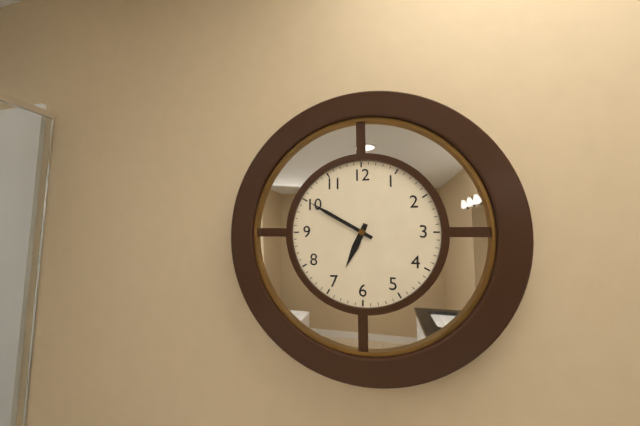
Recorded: h=6 m=50
